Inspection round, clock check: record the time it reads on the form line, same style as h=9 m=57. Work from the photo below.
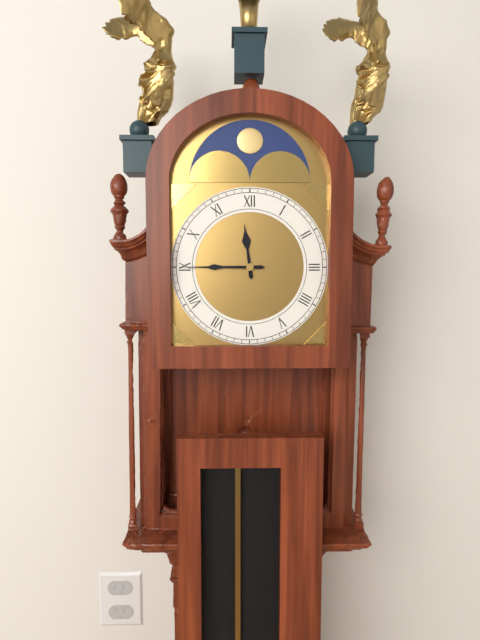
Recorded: h=11 m=45
